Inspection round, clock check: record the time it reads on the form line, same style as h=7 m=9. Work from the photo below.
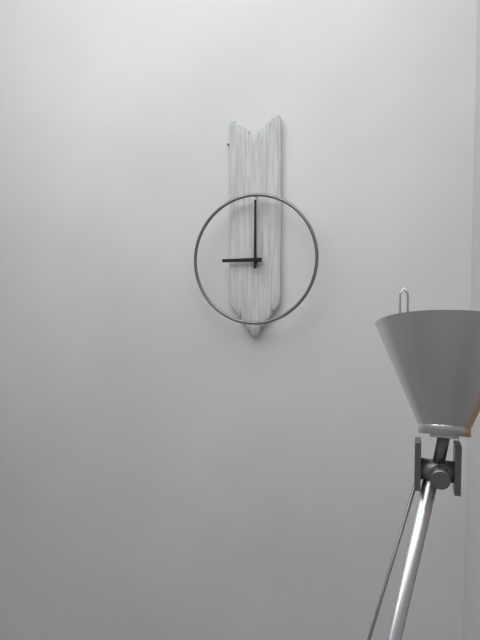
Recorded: h=9 m=0
